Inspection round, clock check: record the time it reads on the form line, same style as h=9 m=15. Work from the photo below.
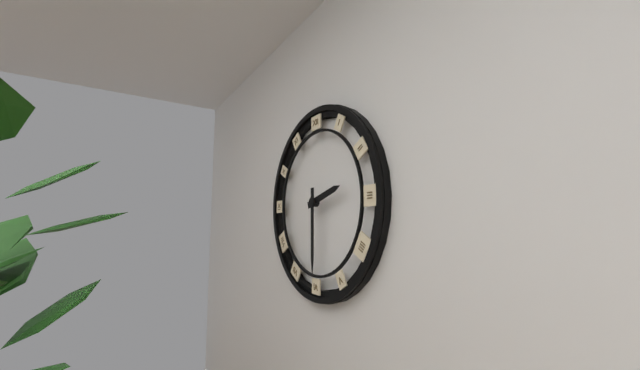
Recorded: h=2 m=30
